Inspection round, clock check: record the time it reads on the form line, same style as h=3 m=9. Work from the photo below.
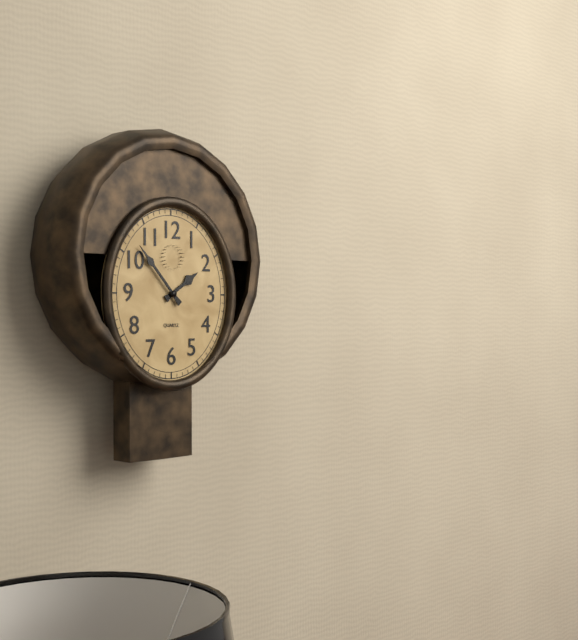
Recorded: h=1 m=53
